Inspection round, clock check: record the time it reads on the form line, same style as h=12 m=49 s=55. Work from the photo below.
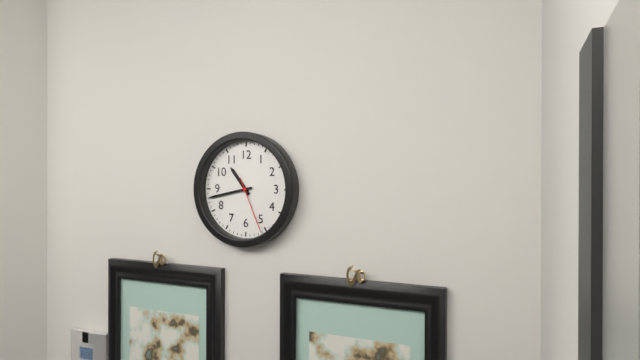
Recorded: h=10 m=43 s=26
